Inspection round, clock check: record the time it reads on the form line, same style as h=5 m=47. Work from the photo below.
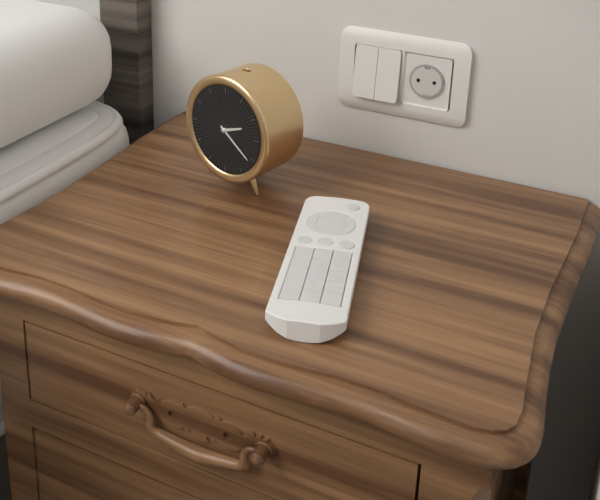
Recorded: h=2 m=21
